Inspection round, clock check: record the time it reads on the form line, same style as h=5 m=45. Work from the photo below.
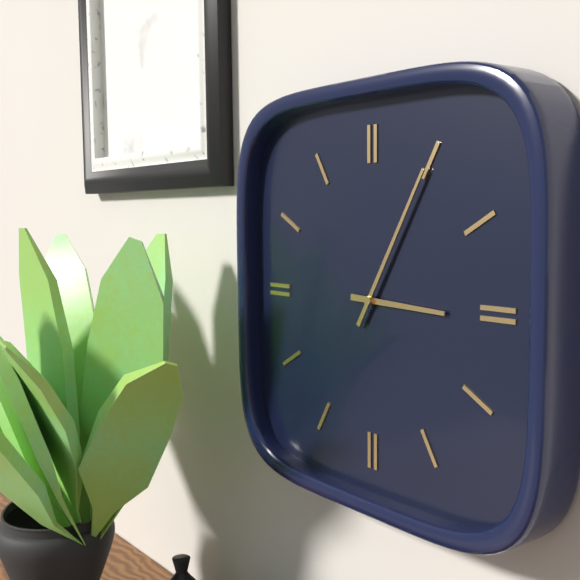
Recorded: h=3 m=5
